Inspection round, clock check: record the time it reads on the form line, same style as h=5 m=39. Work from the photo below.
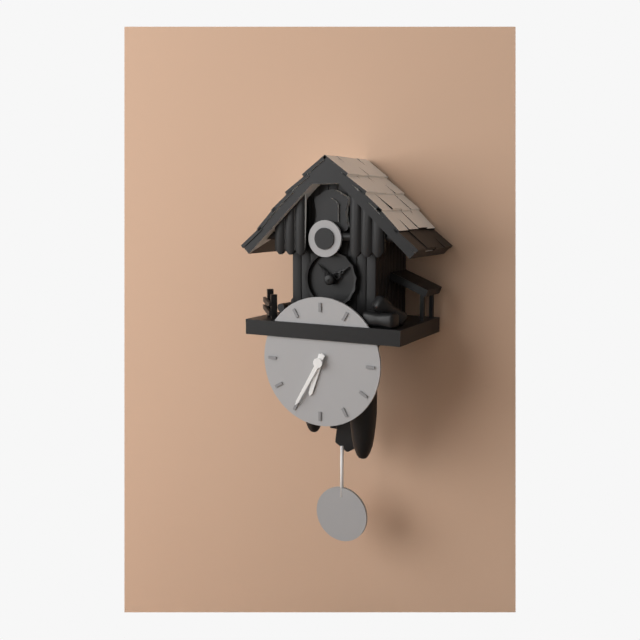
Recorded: h=6 m=35
